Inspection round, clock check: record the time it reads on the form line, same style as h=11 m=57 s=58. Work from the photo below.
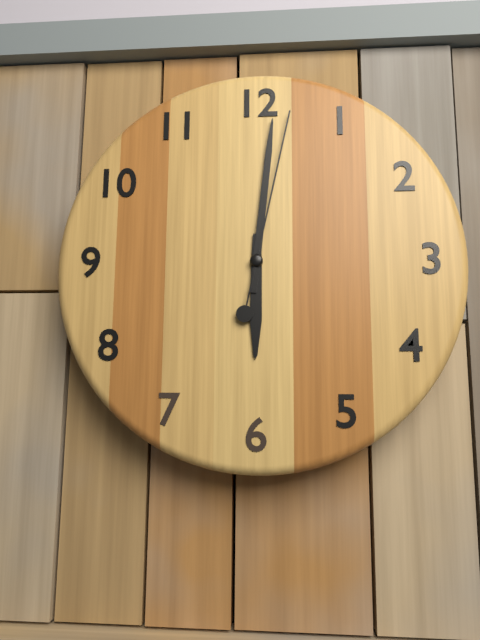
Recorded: h=6 m=1 s=2
